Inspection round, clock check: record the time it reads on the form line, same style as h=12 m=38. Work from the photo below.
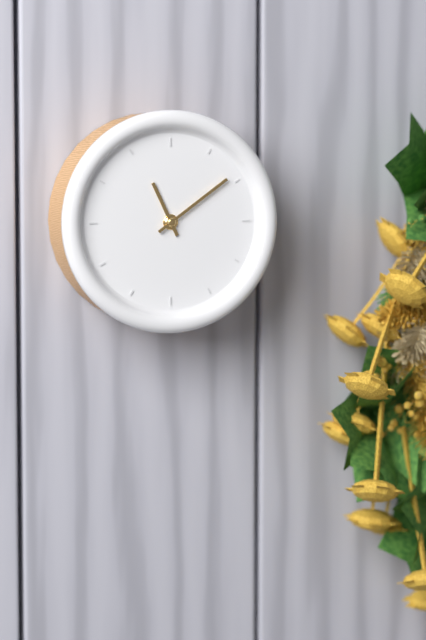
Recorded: h=11 m=9
